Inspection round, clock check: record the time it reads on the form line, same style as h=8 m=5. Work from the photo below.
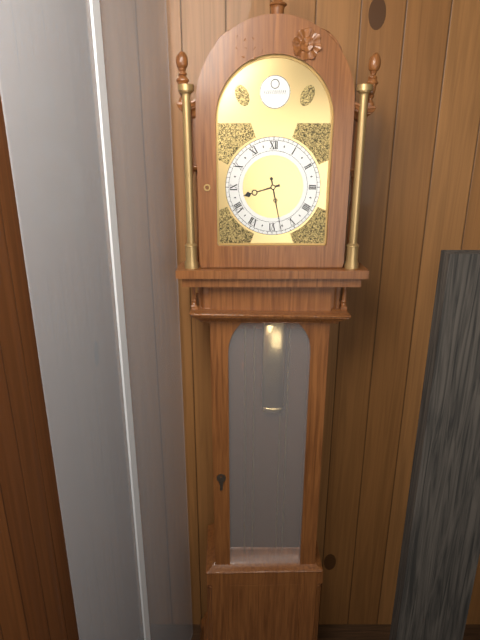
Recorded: h=8 m=28
